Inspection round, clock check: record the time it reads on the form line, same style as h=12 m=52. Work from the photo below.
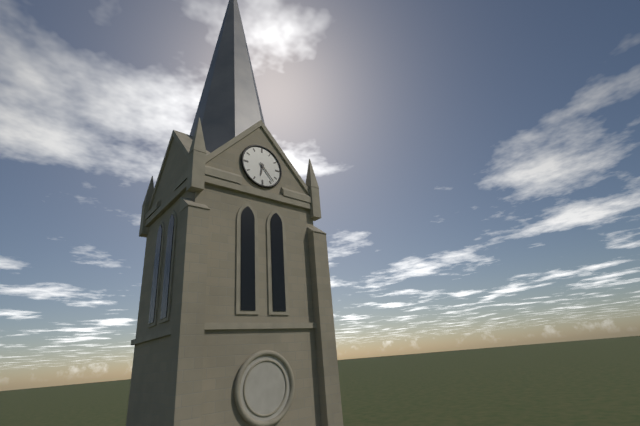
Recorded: h=6 m=23
